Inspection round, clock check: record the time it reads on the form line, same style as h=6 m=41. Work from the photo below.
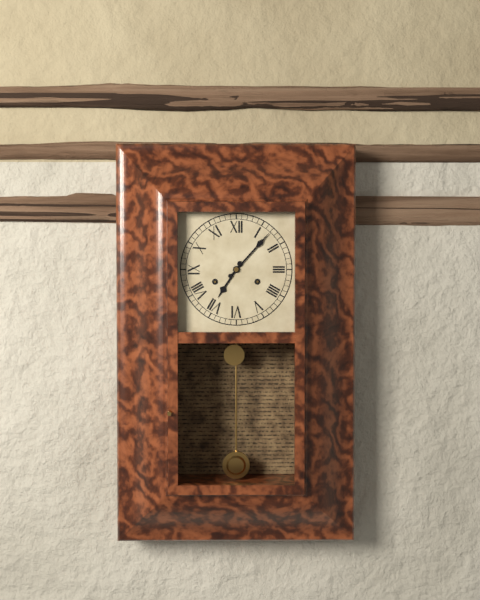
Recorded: h=7 m=7
